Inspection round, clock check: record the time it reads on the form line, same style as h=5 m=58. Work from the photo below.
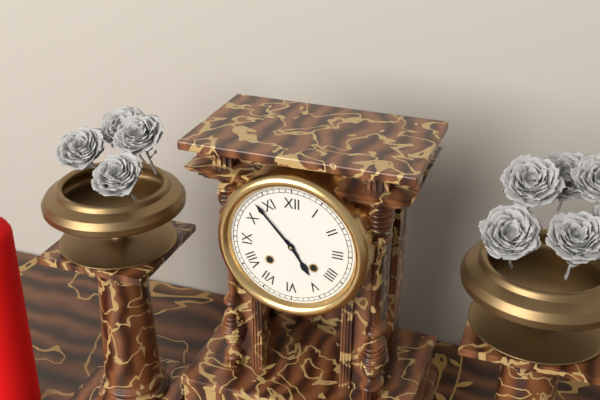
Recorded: h=4 m=53
